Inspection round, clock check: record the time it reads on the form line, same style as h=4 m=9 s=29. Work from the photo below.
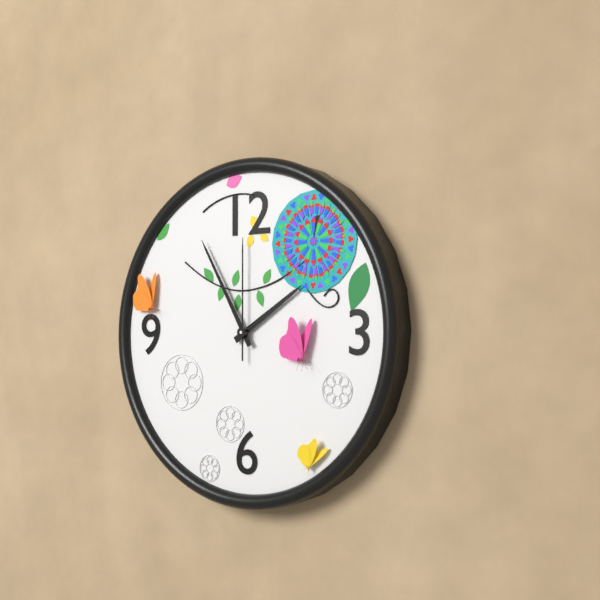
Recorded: h=1 m=55 s=0
